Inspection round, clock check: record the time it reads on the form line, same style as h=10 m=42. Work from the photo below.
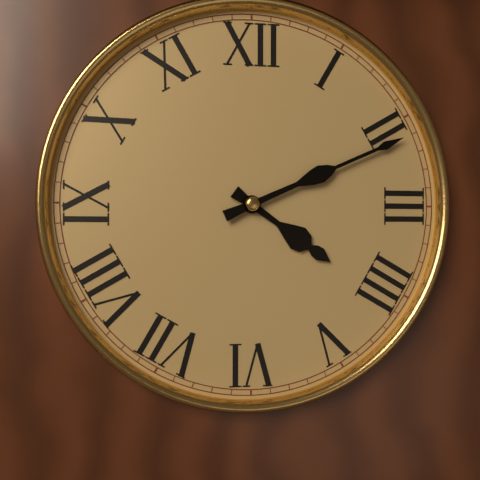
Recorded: h=4 m=11
